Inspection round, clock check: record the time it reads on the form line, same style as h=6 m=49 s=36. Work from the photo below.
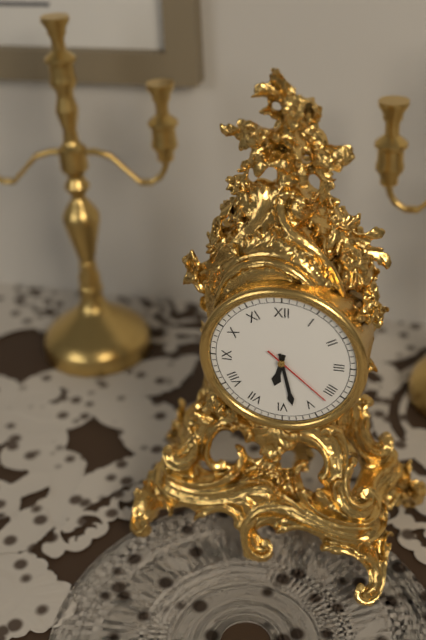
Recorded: h=6 m=28 s=22
